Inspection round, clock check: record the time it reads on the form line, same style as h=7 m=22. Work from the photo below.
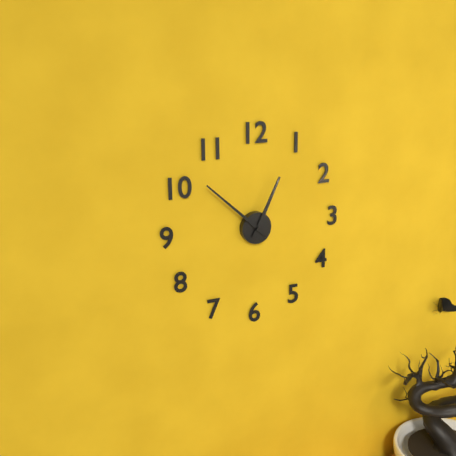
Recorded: h=12 m=52
